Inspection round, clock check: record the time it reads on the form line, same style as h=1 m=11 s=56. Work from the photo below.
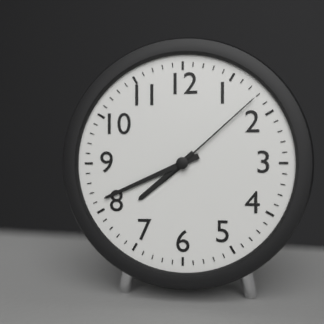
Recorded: h=7 m=41 s=8
